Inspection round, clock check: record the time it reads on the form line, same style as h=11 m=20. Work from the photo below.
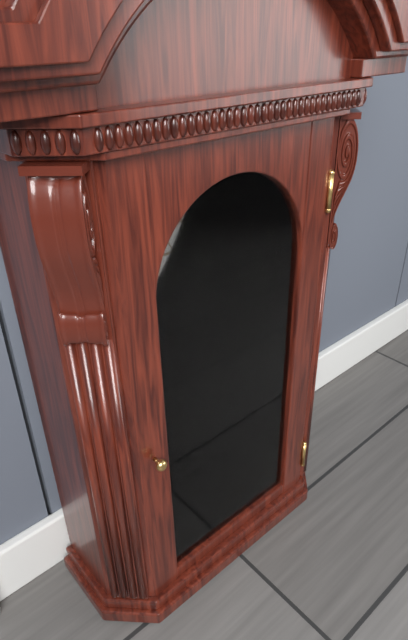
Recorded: h=12 m=1
